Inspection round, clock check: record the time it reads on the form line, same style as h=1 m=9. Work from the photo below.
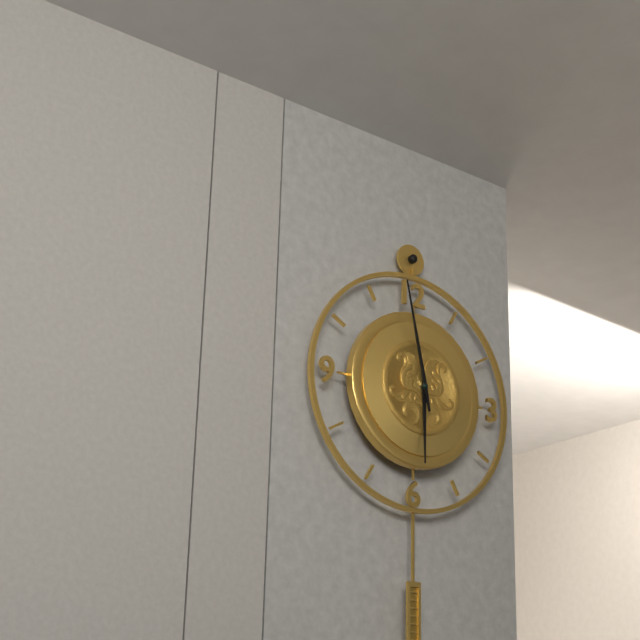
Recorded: h=5 m=58
